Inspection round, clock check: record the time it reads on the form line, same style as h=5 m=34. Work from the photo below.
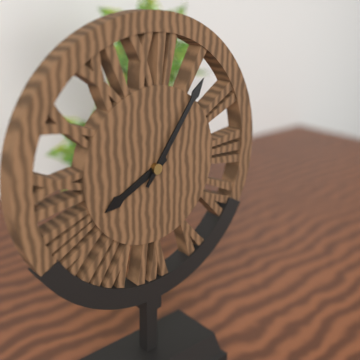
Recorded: h=8 m=6
